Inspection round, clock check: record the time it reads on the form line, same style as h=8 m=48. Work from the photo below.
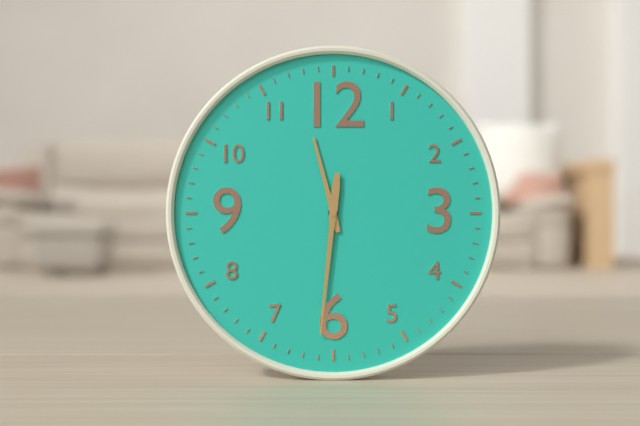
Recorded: h=11 m=31
